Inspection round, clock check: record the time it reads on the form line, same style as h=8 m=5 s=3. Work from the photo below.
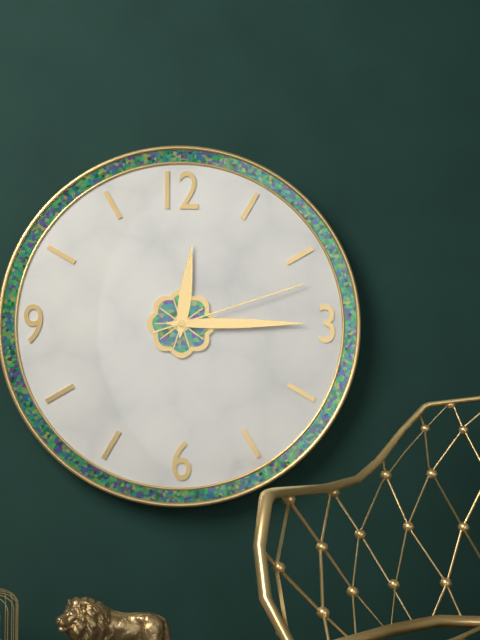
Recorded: h=12 m=15 s=12
